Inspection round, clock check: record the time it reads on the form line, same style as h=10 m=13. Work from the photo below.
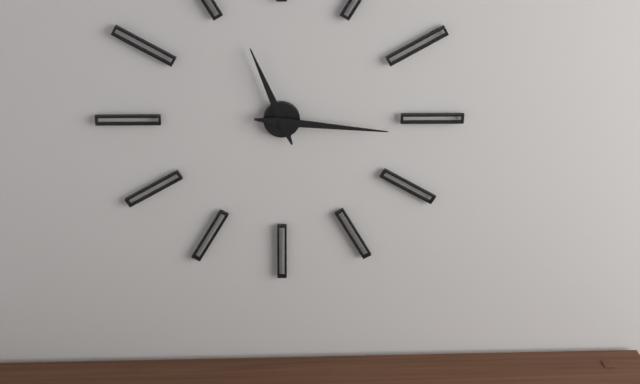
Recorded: h=11 m=16
